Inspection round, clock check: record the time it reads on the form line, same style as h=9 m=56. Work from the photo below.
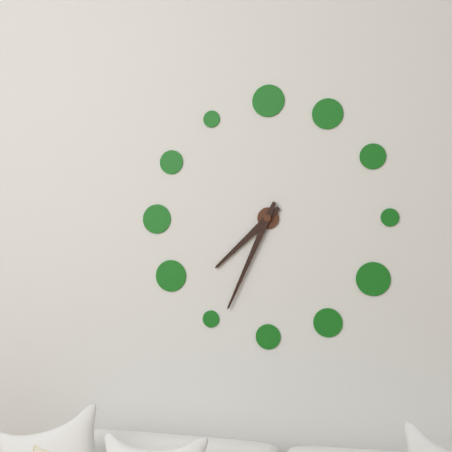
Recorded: h=7 m=34
